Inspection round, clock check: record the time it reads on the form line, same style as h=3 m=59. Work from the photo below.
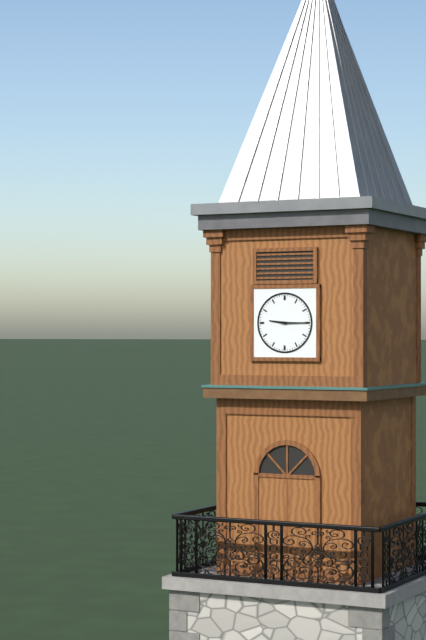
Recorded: h=9 m=15
